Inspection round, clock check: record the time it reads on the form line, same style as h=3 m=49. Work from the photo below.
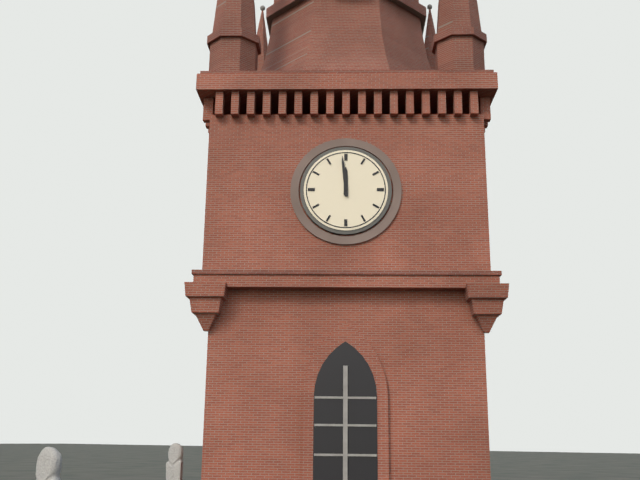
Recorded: h=11 m=59
